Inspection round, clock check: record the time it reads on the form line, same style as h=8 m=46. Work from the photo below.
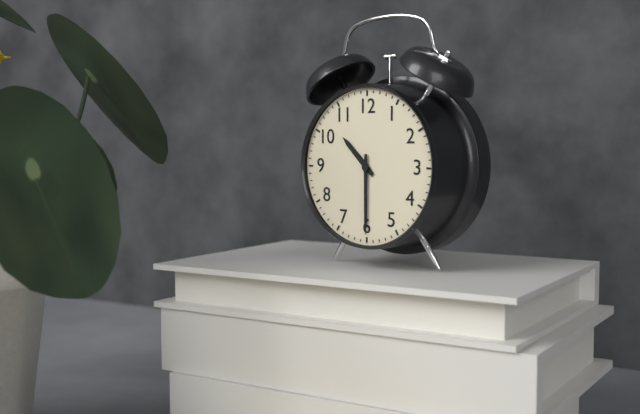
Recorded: h=10 m=30
